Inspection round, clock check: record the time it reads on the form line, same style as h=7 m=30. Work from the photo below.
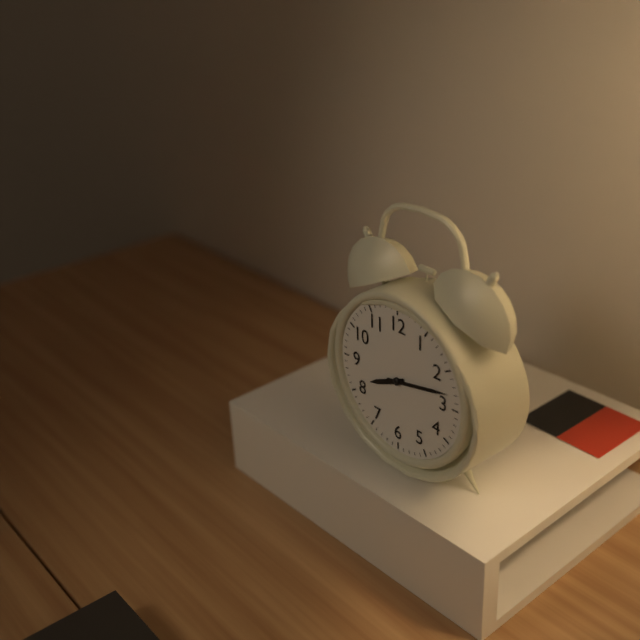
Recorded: h=8 m=13
